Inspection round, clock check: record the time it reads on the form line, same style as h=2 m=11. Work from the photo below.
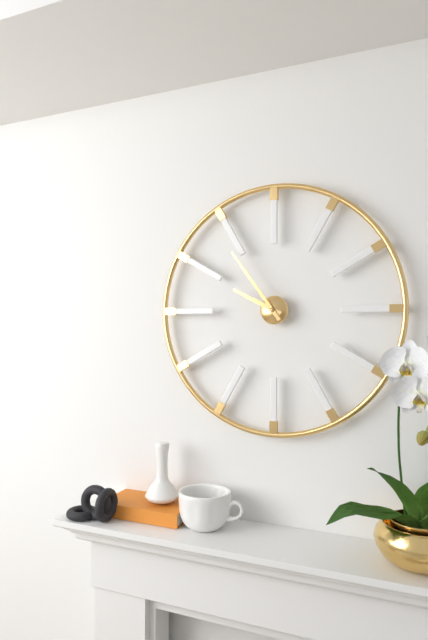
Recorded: h=9 m=54
